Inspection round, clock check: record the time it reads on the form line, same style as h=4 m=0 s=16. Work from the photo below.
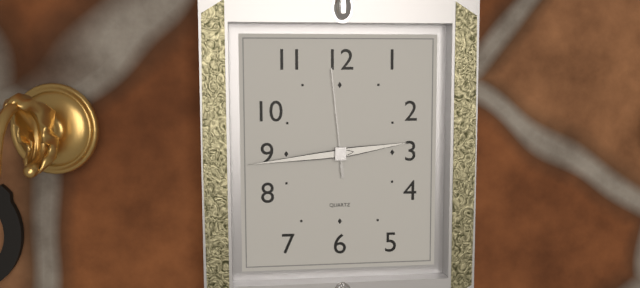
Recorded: h=2 m=44 s=59
